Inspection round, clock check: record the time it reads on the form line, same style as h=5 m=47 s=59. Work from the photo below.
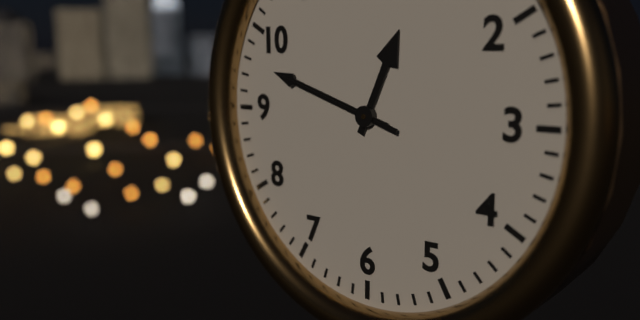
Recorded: h=12 m=48 s=48
